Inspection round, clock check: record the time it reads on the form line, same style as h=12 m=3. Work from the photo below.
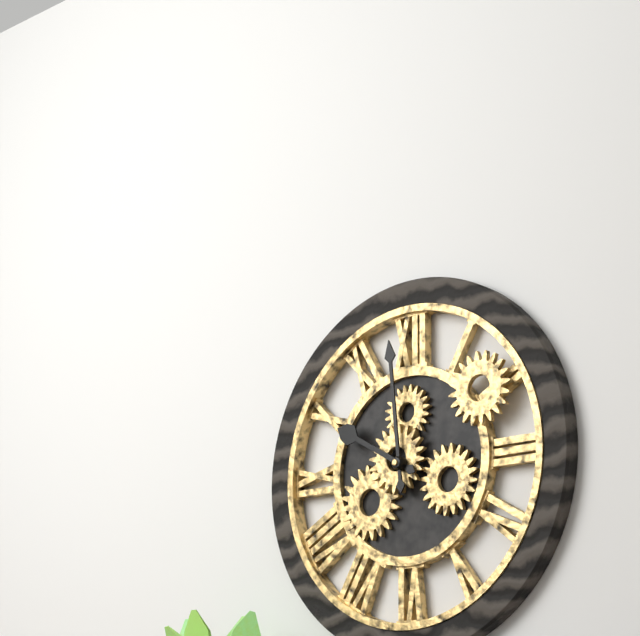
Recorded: h=9 m=59
